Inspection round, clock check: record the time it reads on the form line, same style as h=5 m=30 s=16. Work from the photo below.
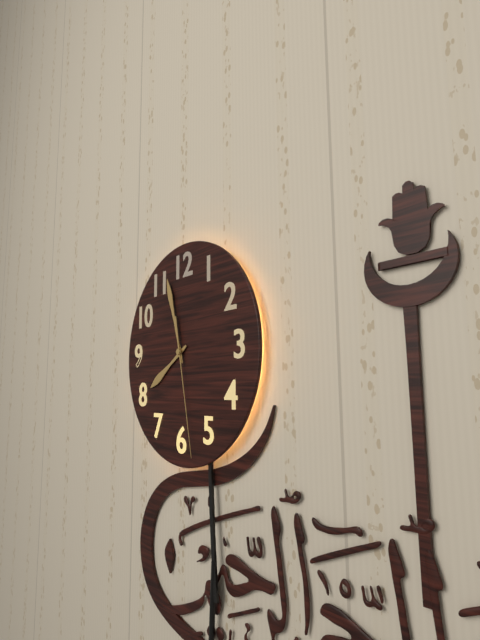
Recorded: h=7 m=57 s=28
